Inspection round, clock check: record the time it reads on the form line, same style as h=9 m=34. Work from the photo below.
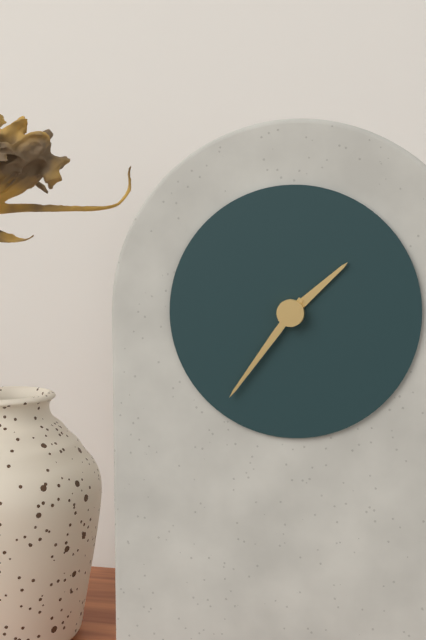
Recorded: h=1 m=36
